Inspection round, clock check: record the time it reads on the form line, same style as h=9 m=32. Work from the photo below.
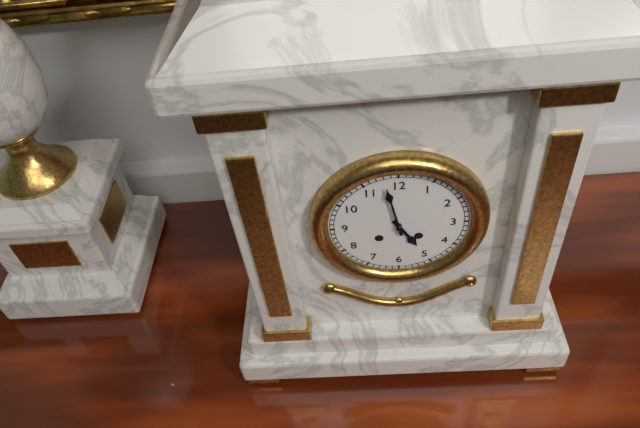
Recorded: h=4 m=58
